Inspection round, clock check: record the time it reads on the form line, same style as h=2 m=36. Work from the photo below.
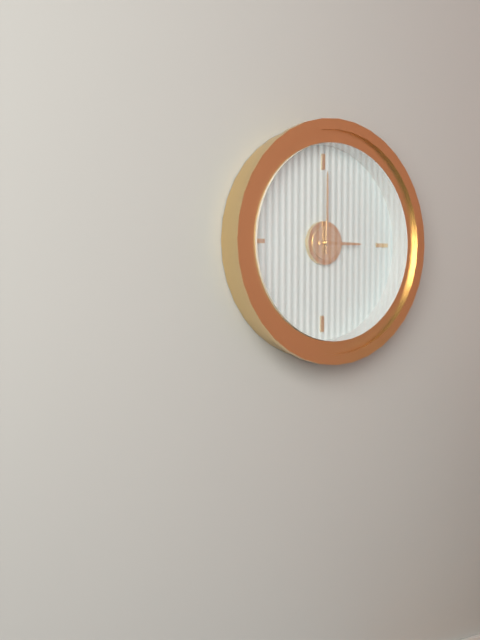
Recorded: h=3 m=0
